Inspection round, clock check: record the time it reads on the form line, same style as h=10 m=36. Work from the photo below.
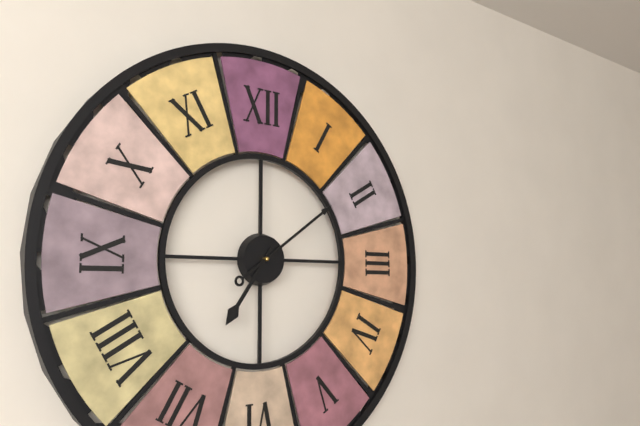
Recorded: h=7 m=9
